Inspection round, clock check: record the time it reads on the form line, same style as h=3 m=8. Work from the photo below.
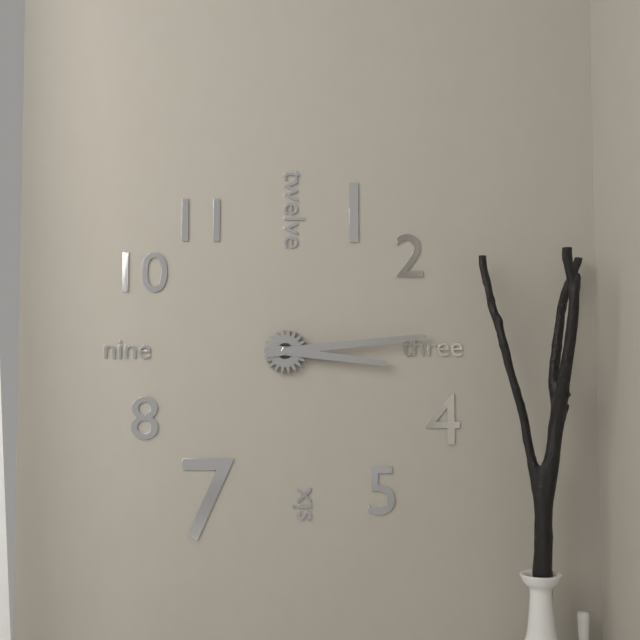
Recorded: h=3 m=14
